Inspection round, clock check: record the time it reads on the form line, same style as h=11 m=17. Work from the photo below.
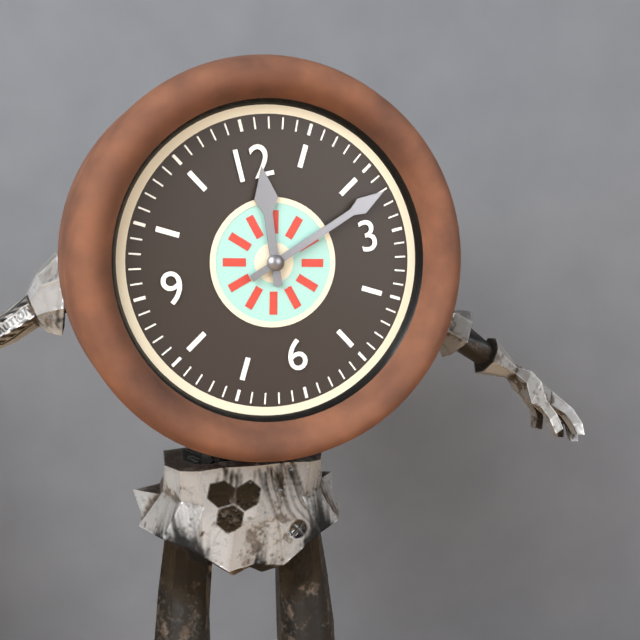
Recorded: h=12 m=12
